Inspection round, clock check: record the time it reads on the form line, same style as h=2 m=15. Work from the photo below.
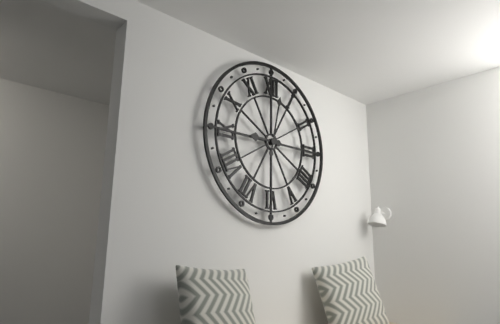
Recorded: h=9 m=2
